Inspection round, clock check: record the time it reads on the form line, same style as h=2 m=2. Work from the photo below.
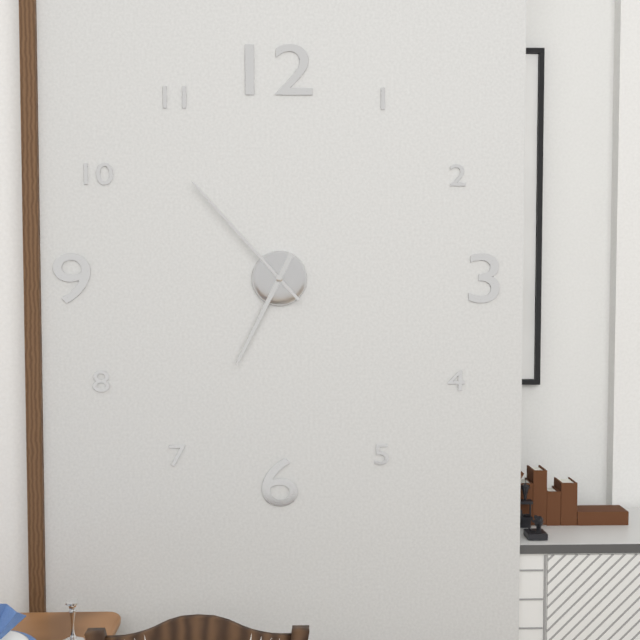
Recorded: h=6 m=53
